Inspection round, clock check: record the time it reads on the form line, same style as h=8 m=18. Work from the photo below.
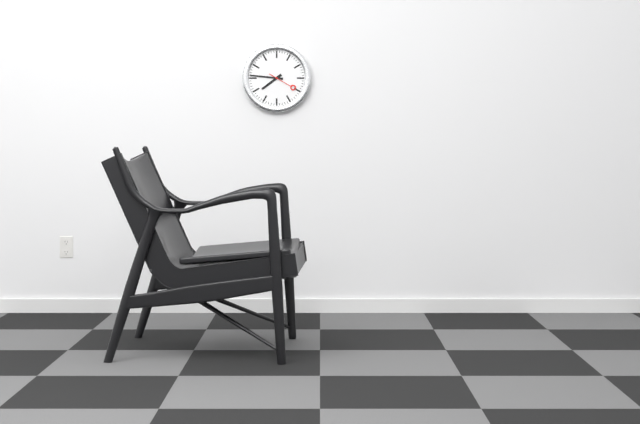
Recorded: h=7 m=46
